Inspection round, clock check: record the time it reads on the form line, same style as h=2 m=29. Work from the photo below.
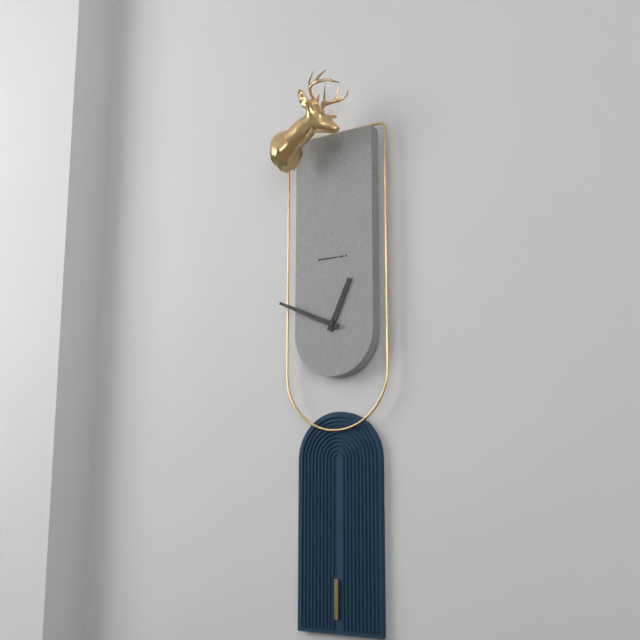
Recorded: h=12 m=49
